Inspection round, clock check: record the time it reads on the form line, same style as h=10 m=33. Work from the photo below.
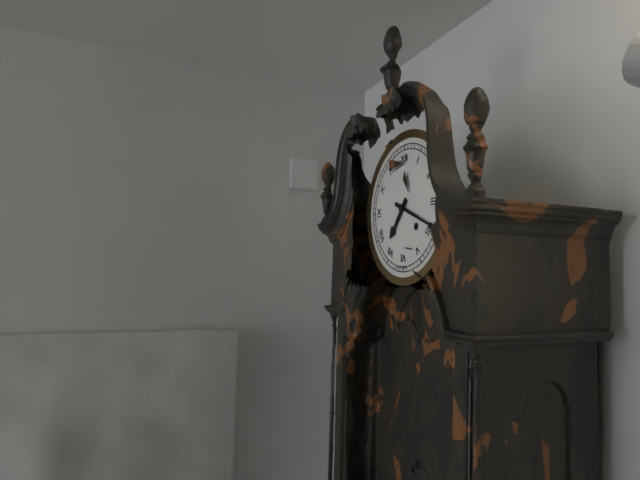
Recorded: h=7 m=19
